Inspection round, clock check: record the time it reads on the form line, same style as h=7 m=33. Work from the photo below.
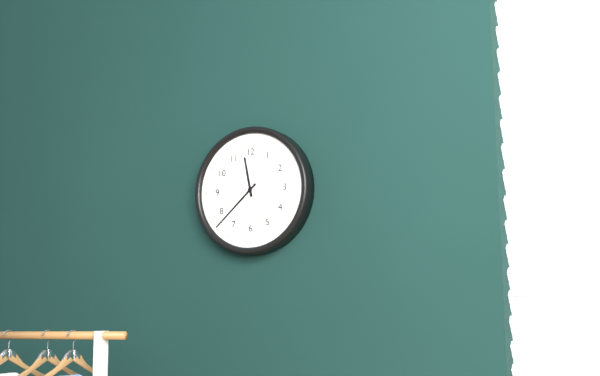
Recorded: h=11 m=38
